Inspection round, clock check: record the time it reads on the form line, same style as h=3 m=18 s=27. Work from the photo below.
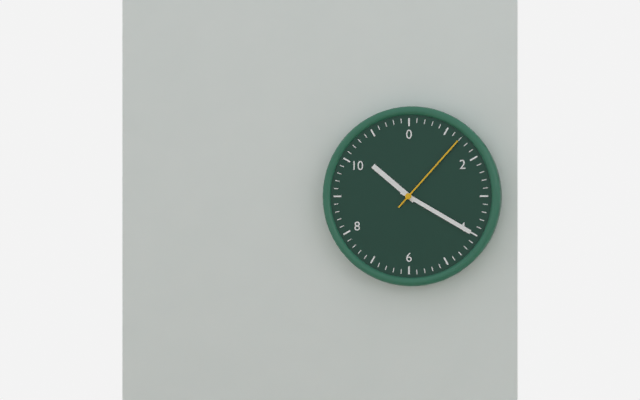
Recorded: h=10 m=20 s=7
